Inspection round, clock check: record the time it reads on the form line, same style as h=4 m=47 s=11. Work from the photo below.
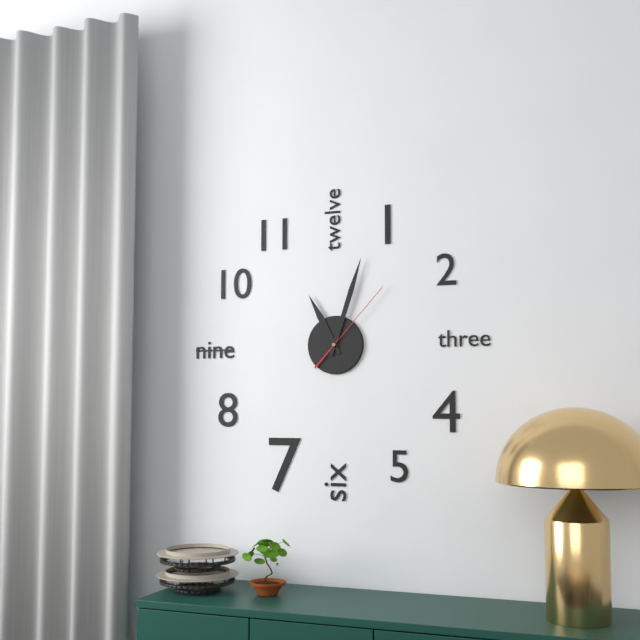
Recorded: h=11 m=3 s=7
